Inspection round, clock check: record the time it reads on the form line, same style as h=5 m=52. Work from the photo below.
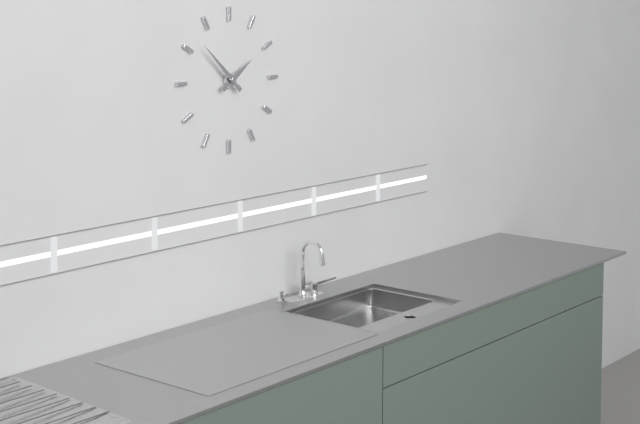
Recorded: h=1 m=52
